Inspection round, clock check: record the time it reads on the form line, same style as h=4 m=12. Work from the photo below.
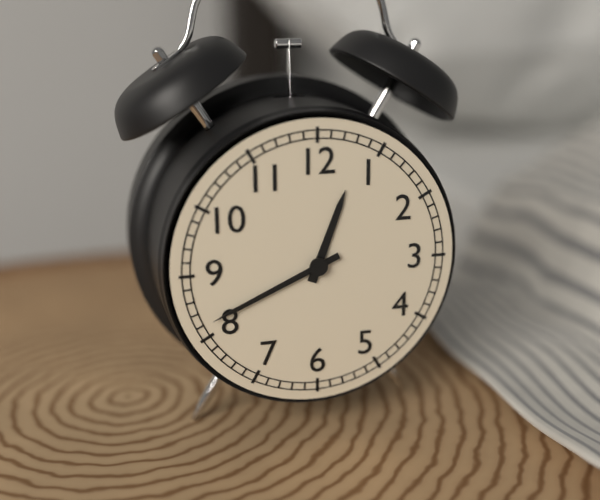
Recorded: h=12 m=41
